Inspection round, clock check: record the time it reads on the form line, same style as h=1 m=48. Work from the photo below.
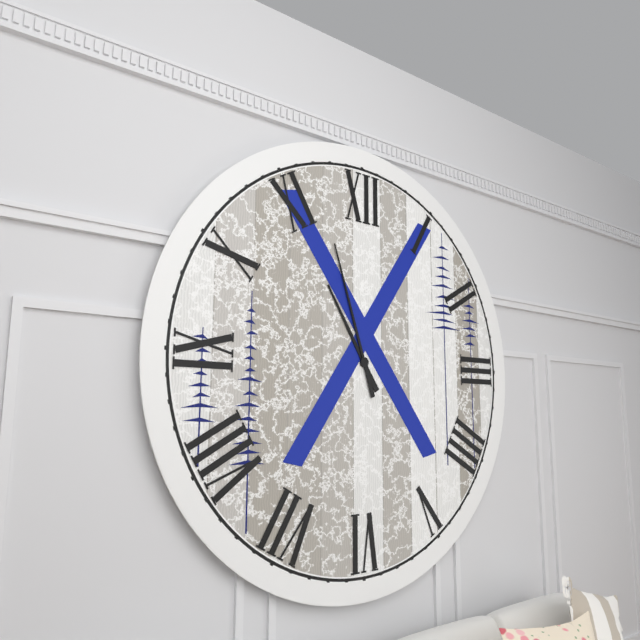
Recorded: h=10 m=57
